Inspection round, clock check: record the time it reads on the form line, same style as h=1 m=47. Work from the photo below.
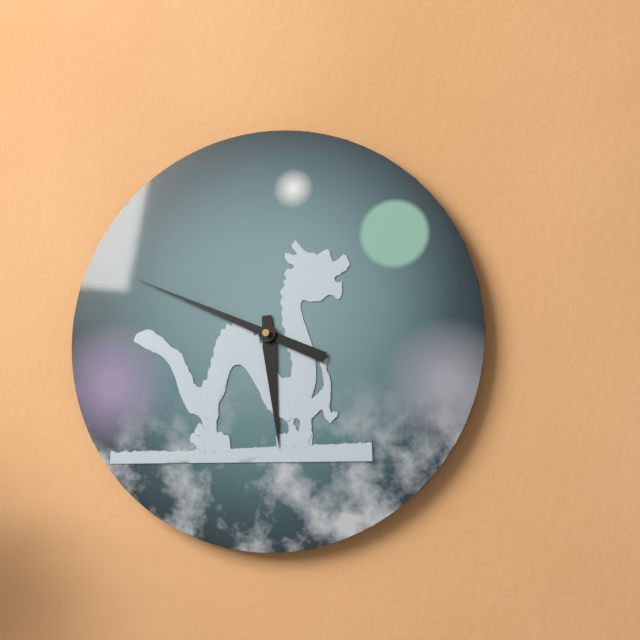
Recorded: h=5 m=49
